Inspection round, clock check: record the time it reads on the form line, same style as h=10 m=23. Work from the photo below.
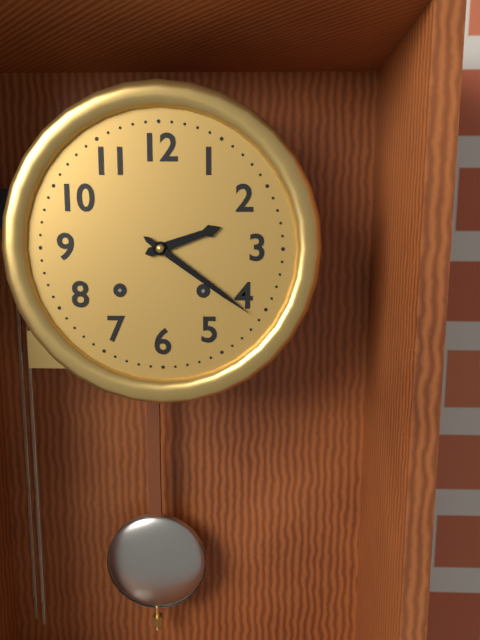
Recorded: h=2 m=21
